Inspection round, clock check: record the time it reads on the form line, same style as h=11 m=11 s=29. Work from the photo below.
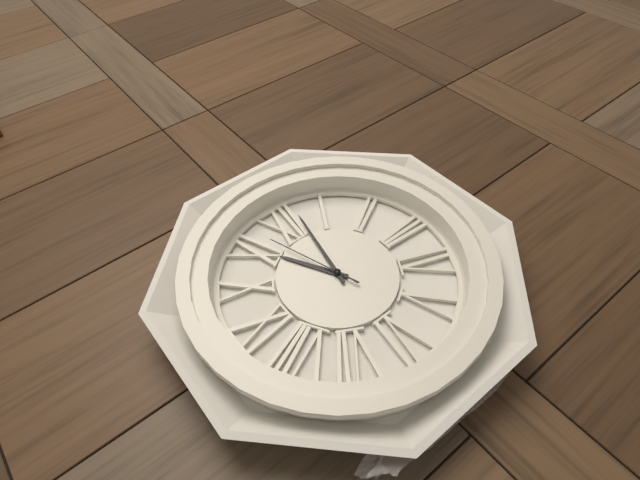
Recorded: h=11 m=2 s=57
